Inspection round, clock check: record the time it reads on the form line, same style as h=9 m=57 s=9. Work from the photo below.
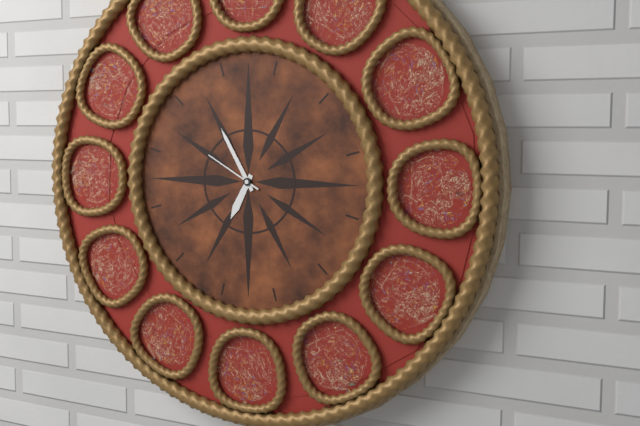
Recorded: h=6 m=55 s=50
